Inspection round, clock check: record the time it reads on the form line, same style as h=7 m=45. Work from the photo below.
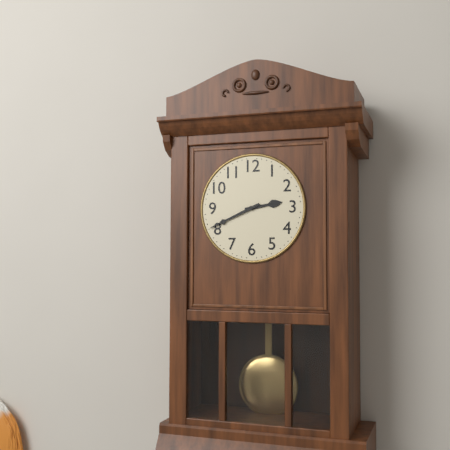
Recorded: h=2 m=41
